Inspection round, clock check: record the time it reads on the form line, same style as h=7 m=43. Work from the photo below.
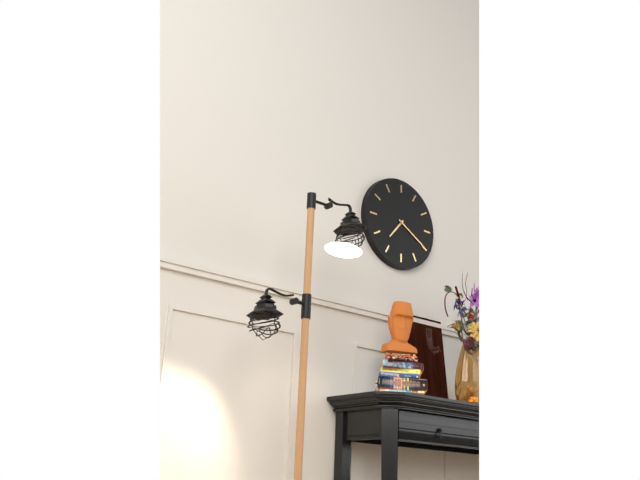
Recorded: h=7 m=20
